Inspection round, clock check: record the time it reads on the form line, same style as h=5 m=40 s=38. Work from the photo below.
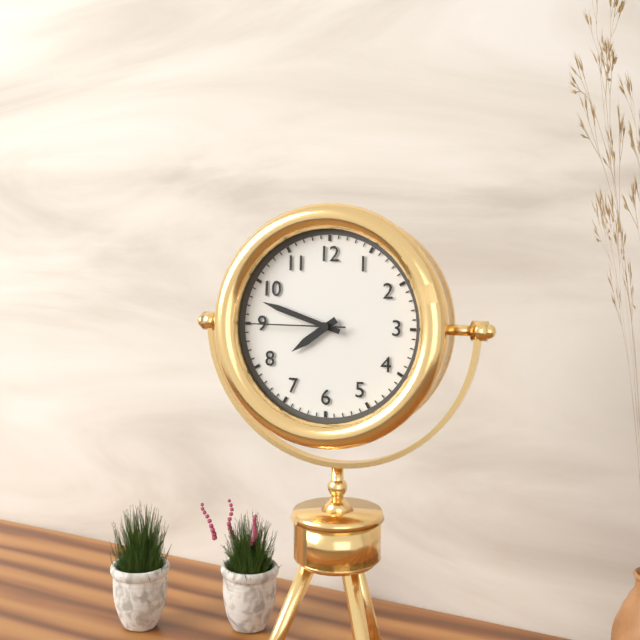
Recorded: h=7 m=48 s=45
